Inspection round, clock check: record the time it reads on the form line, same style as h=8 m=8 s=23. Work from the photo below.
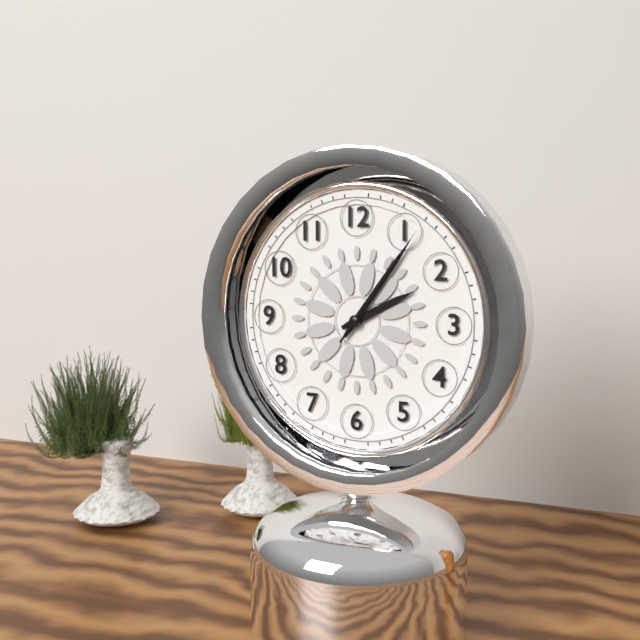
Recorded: h=2 m=6 s=6
